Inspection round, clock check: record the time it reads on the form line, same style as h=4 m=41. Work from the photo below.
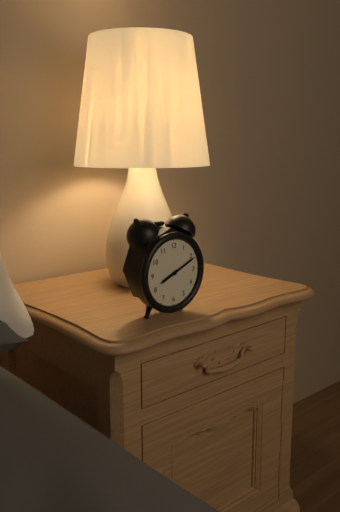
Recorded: h=8 m=11
